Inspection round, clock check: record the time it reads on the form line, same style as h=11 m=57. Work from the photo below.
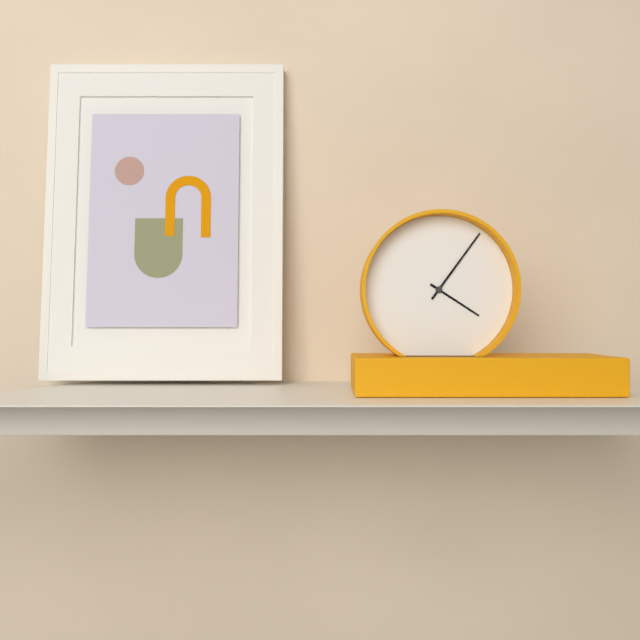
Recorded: h=4 m=6
